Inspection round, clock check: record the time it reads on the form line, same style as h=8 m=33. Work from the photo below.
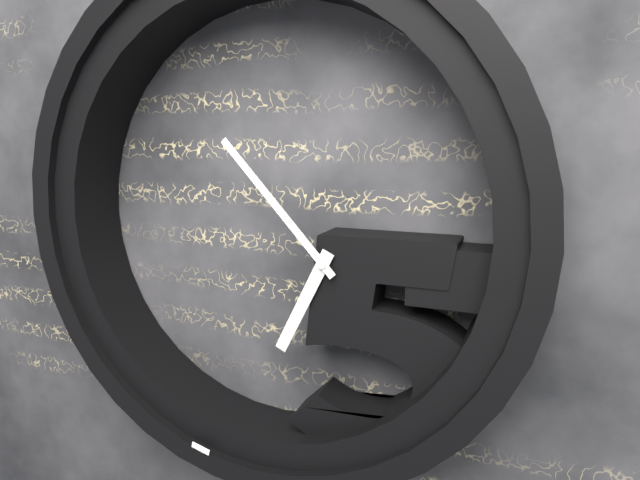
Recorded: h=6 m=53
